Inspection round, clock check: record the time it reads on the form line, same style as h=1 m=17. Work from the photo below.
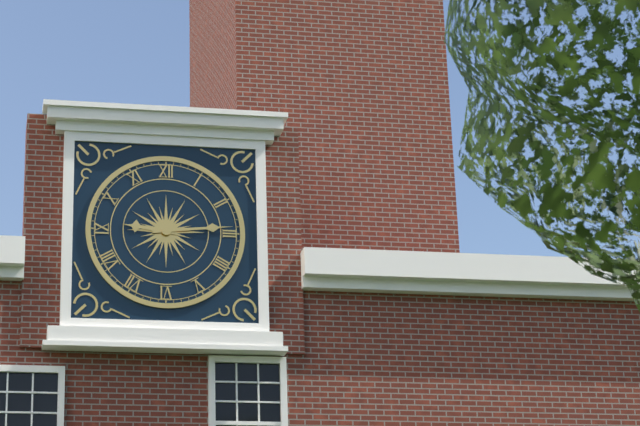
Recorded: h=9 m=14
